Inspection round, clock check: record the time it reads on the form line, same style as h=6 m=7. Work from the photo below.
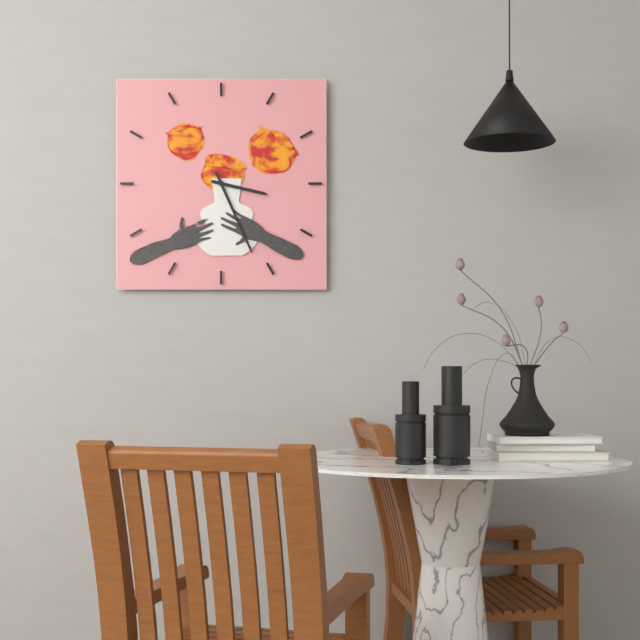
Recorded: h=3 m=26
